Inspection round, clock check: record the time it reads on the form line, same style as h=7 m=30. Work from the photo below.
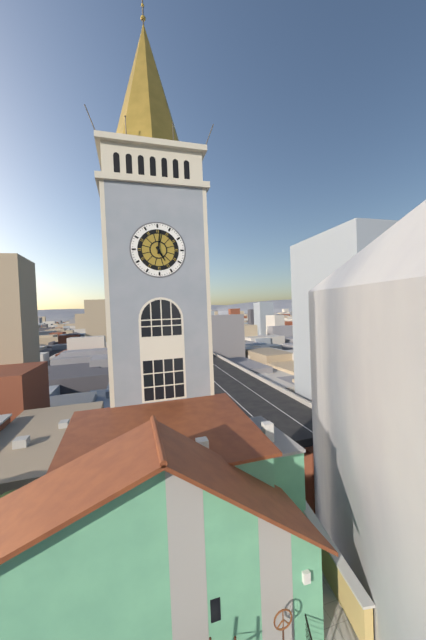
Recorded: h=5 m=1
